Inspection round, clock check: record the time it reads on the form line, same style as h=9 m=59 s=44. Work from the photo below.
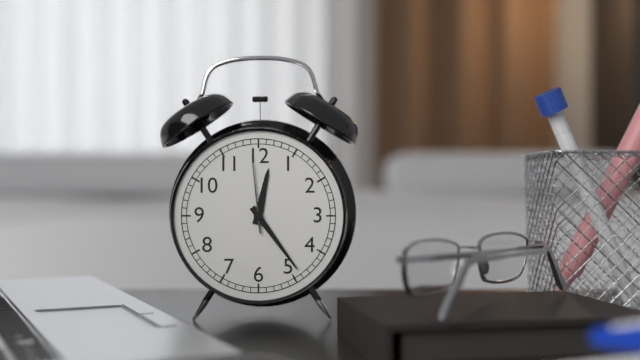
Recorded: h=12 m=24 s=59
